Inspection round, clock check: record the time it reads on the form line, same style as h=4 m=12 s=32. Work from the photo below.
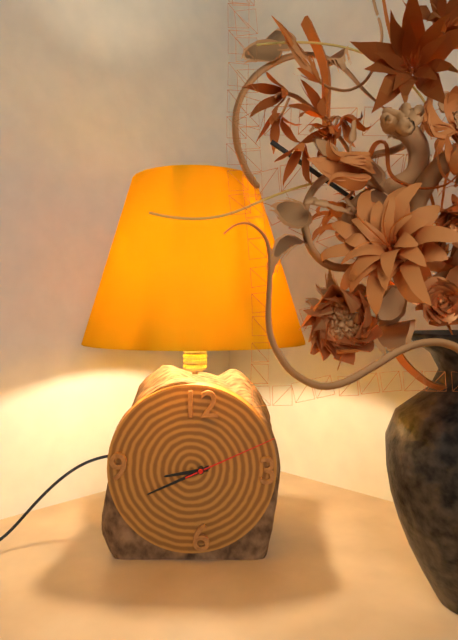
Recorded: h=8 m=41 s=11
